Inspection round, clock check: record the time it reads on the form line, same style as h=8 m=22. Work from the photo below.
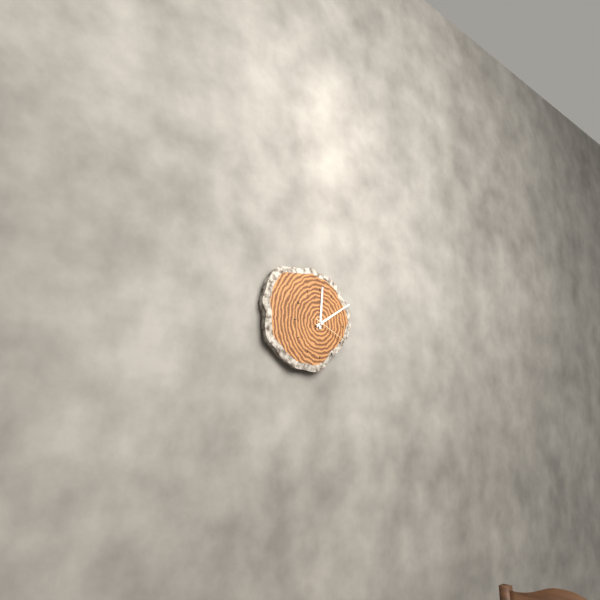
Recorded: h=12 m=10
